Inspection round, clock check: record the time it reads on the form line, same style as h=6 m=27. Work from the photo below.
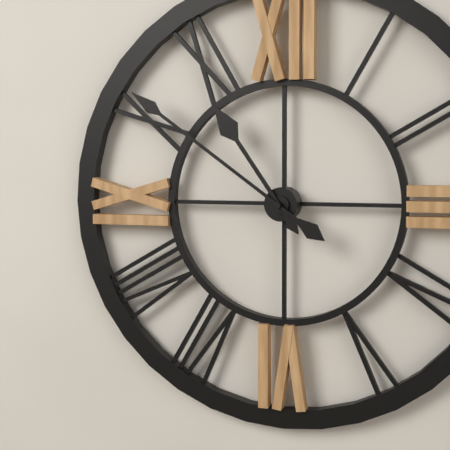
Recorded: h=10 m=51
